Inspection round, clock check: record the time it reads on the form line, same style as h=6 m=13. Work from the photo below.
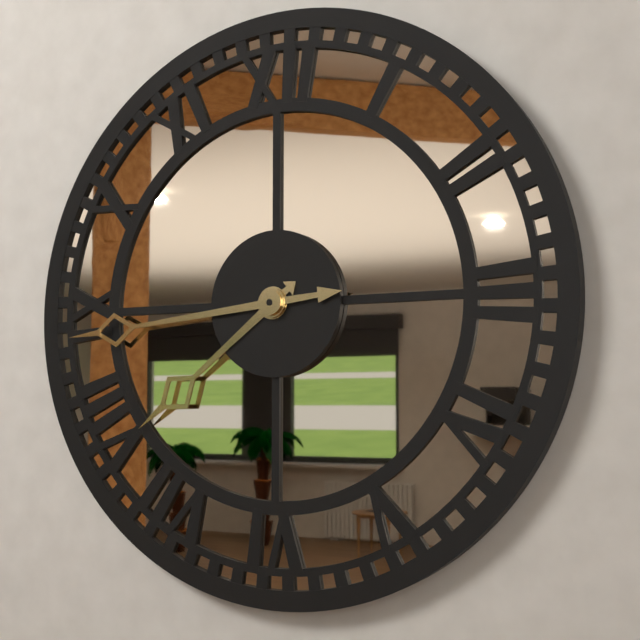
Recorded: h=7 m=44
